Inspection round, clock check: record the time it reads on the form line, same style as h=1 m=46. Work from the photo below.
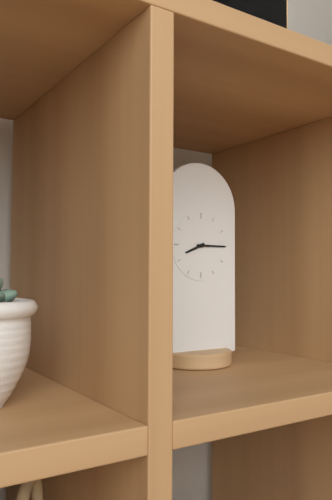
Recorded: h=8 m=15
